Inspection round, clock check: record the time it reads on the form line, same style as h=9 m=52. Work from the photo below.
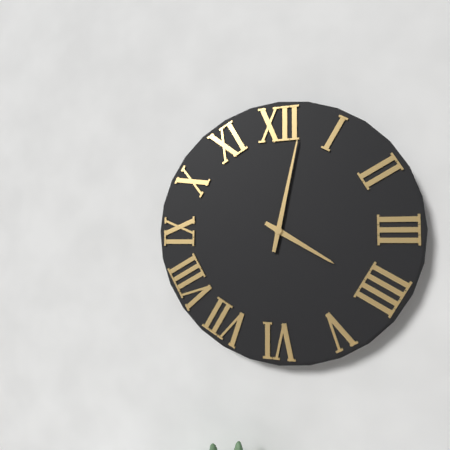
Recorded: h=4 m=2
